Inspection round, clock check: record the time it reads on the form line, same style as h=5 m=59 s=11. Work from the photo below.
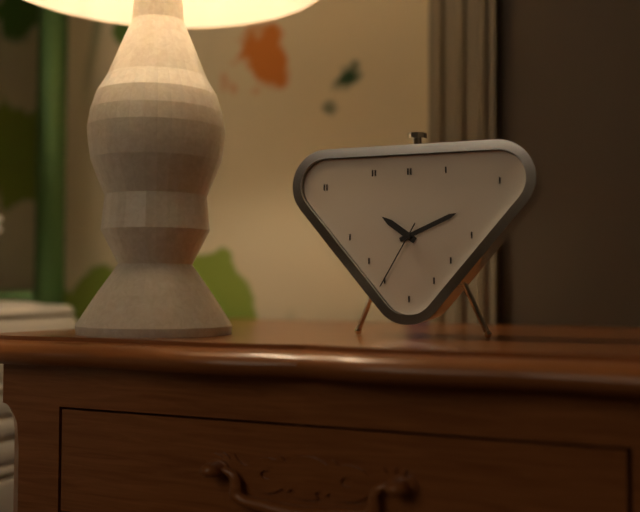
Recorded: h=10 m=11 s=35
